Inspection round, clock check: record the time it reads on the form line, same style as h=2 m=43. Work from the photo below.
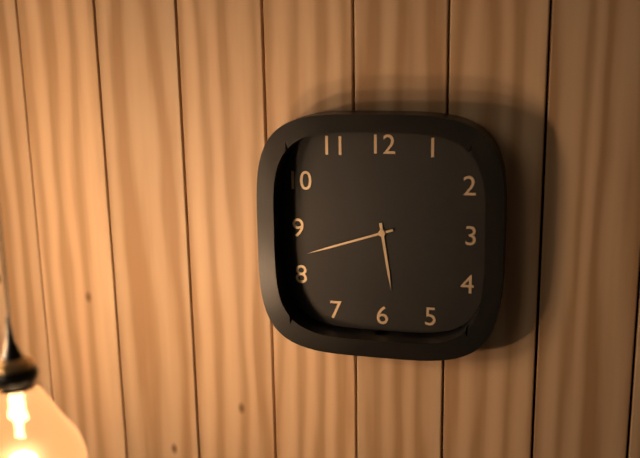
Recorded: h=5 m=42
